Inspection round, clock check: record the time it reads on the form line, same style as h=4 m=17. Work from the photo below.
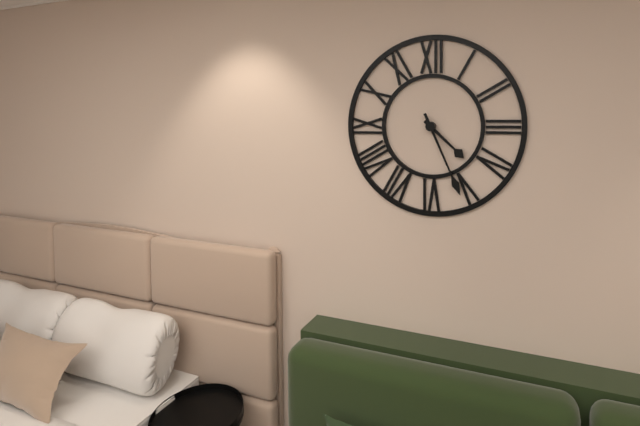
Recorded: h=4 m=26
